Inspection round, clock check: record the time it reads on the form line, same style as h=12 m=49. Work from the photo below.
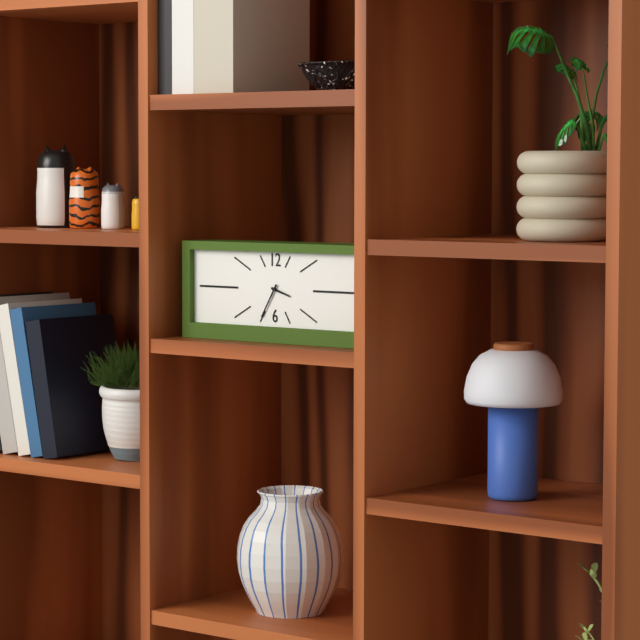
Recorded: h=3 m=35
